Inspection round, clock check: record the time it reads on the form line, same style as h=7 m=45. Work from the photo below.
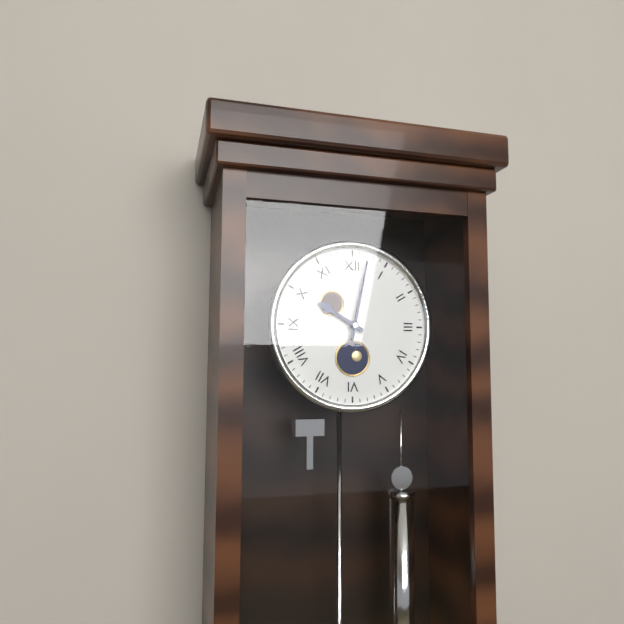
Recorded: h=10 m=2
